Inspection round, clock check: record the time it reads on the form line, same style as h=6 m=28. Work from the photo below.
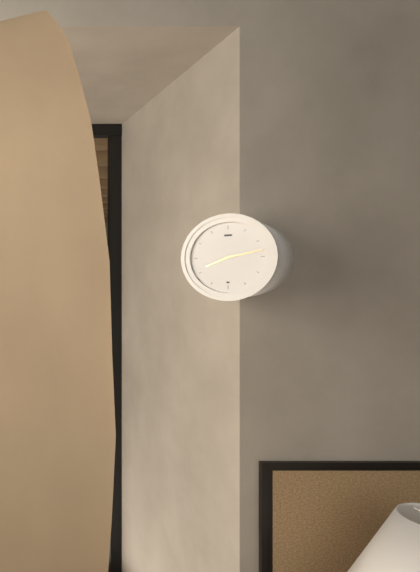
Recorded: h=8 m=13
